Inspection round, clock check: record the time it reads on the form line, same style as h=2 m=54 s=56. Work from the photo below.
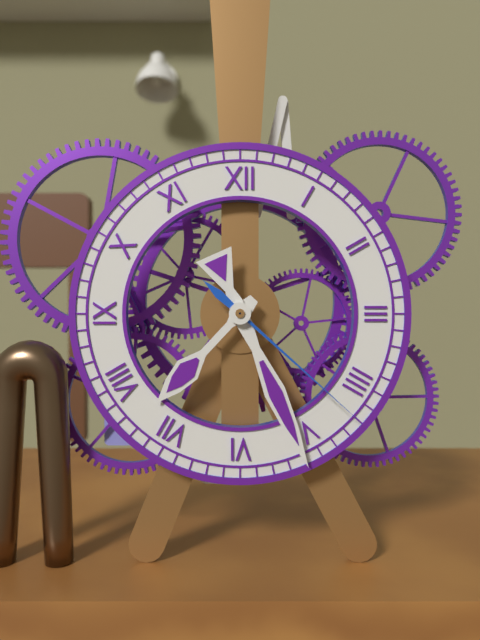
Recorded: h=7 m=26 s=22
